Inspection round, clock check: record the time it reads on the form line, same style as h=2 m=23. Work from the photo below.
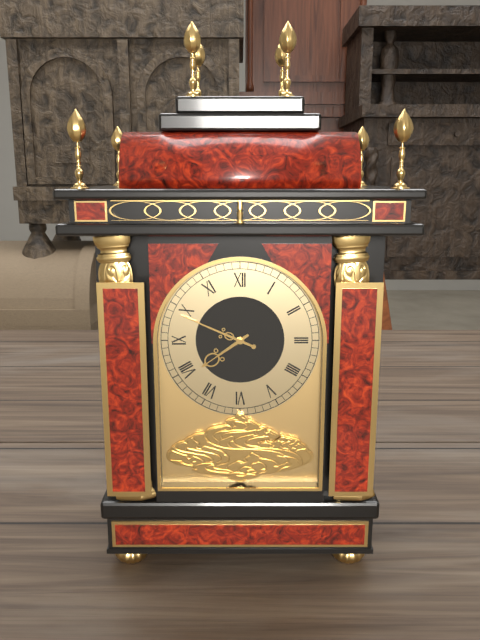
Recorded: h=7 m=49
